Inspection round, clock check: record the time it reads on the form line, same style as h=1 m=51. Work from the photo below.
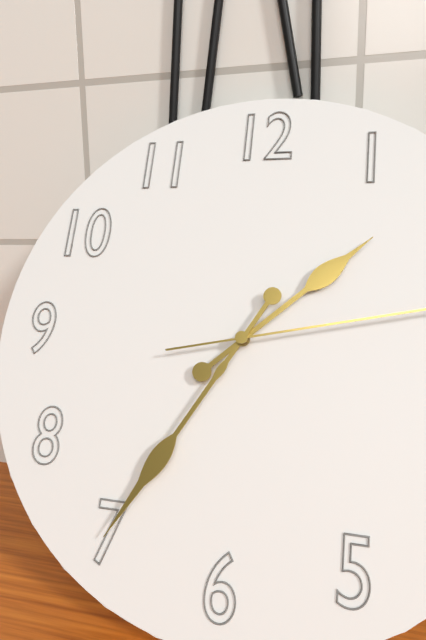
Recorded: h=1 m=35
